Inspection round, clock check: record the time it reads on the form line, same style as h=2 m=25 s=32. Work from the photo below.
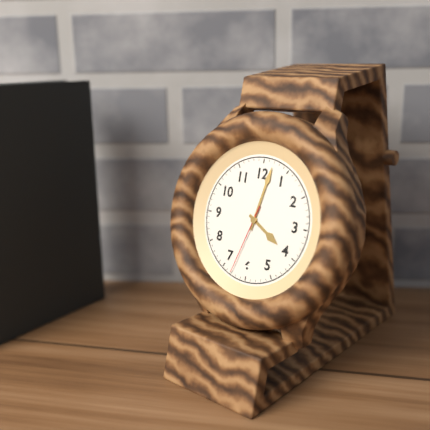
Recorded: h=4 m=2 s=33
